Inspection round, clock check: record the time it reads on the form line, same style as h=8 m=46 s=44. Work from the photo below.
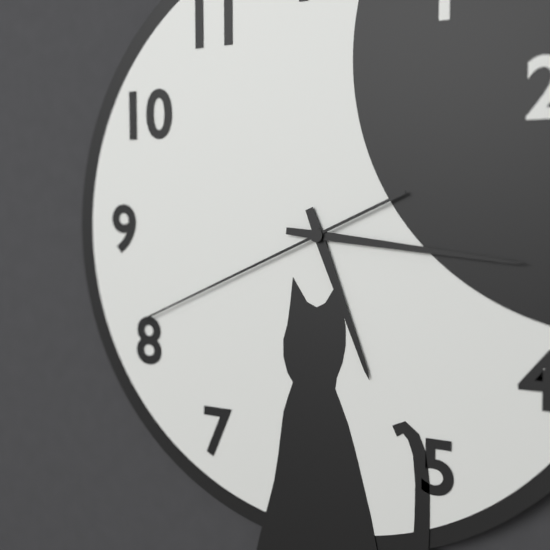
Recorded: h=5 m=16 s=41
